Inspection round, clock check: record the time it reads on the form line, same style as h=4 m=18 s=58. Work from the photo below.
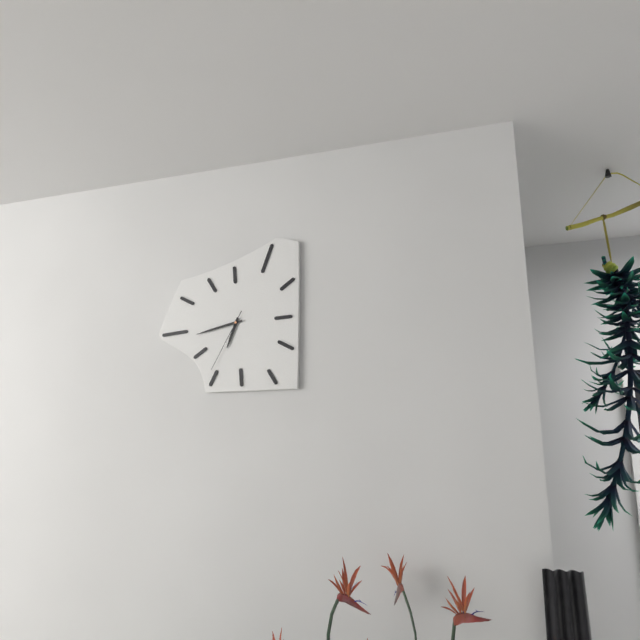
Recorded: h=6 m=43 s=35
